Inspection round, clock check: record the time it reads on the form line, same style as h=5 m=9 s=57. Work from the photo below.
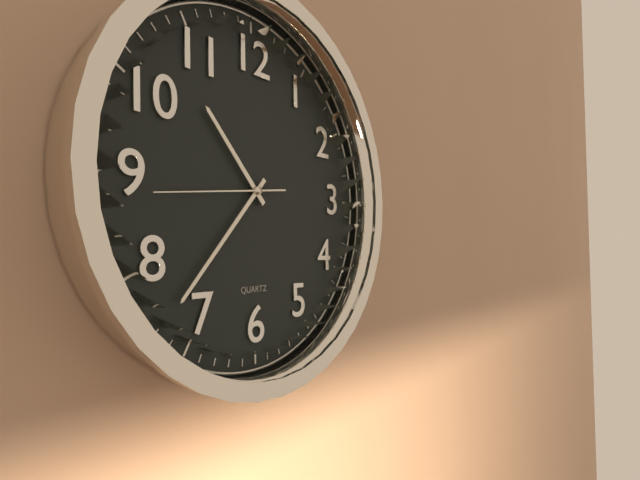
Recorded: h=10 m=37 s=44
